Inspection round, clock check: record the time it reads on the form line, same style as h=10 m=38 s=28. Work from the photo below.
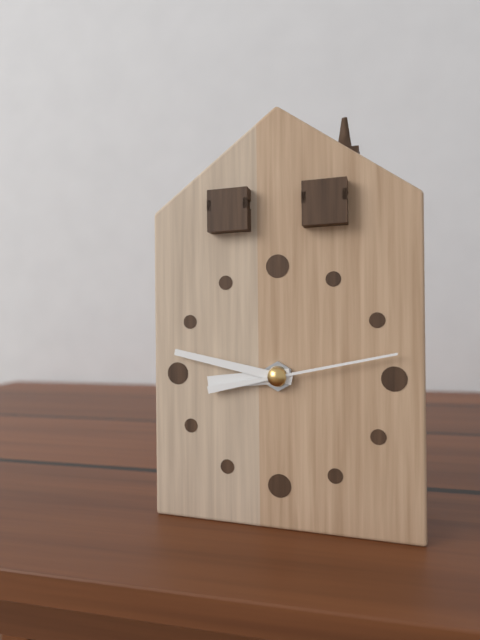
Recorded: h=8 m=47 s=13
